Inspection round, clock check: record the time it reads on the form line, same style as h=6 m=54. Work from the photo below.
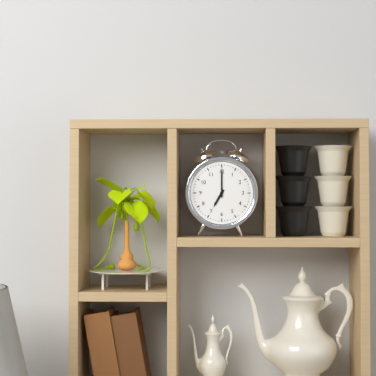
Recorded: h=7 m=0
